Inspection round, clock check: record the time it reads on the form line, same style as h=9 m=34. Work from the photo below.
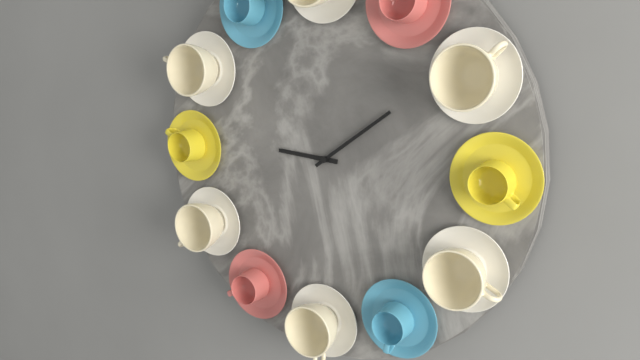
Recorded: h=9 m=9
